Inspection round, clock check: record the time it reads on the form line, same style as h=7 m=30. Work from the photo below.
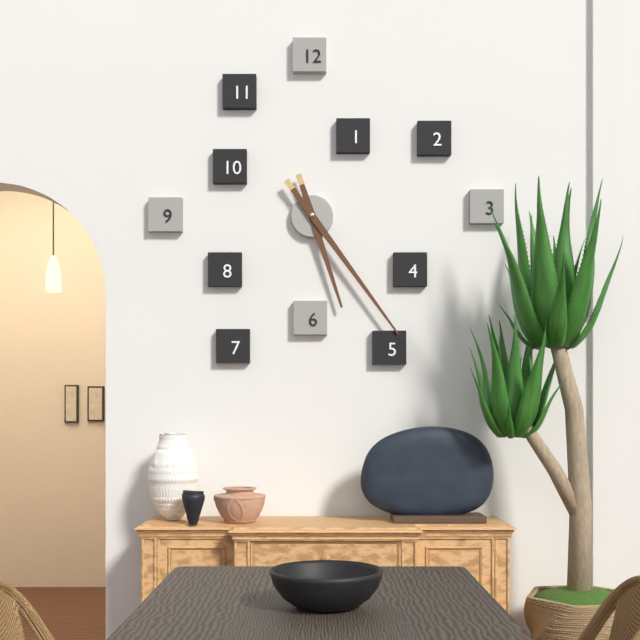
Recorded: h=5 m=24
